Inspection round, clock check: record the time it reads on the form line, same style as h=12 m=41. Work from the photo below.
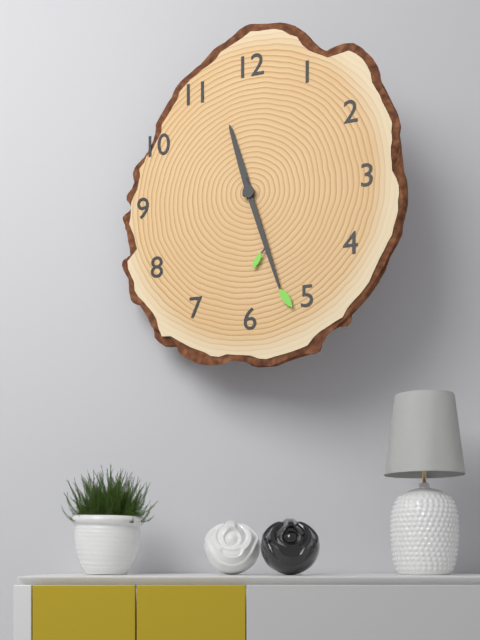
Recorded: h=11 m=27
